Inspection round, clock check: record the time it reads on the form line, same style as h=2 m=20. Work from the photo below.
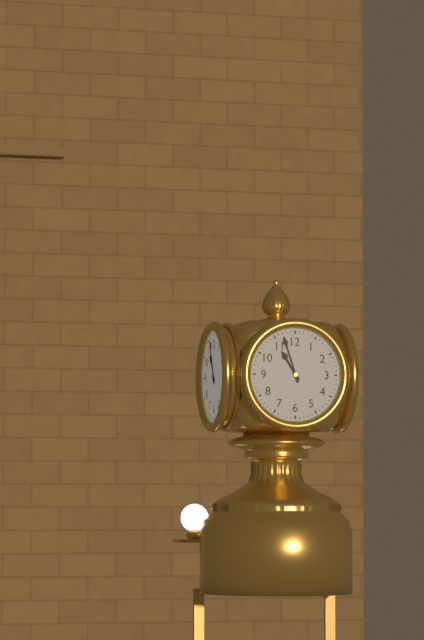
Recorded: h=10 m=57
